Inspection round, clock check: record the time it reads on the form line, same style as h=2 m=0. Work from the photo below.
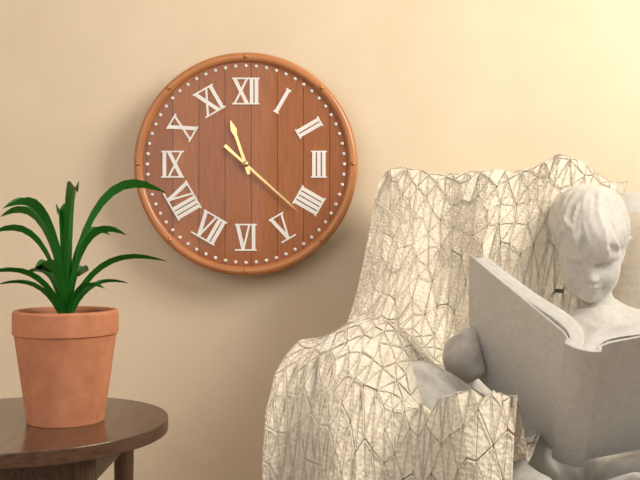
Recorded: h=11 m=22
